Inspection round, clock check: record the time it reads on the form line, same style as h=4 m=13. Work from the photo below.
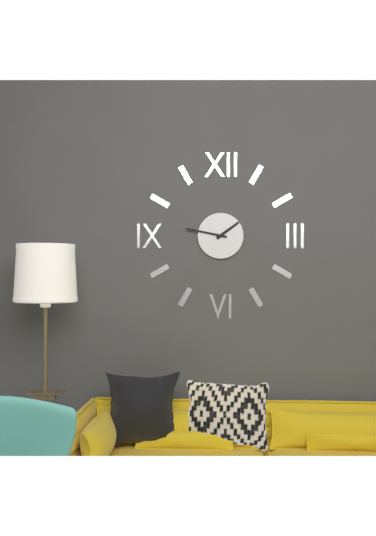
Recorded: h=1 m=47
